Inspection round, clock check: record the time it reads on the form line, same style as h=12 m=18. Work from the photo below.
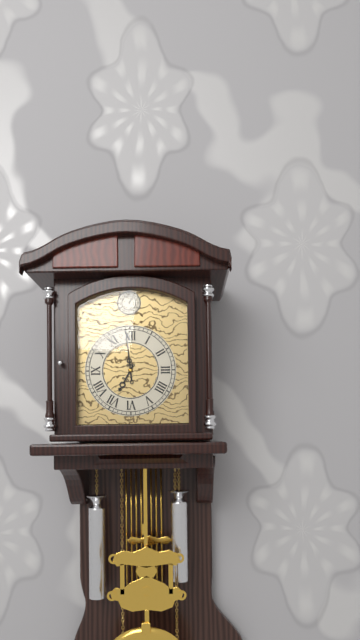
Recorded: h=6 m=59
